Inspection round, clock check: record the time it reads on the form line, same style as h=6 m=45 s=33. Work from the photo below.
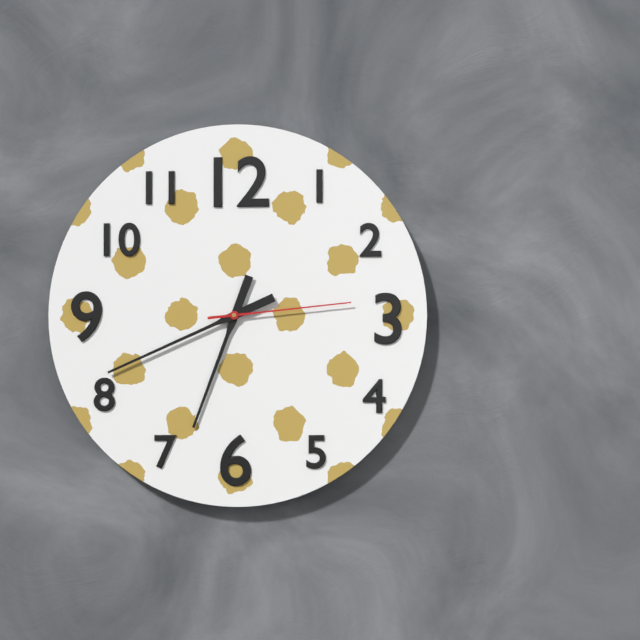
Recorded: h=6 m=41 s=14
